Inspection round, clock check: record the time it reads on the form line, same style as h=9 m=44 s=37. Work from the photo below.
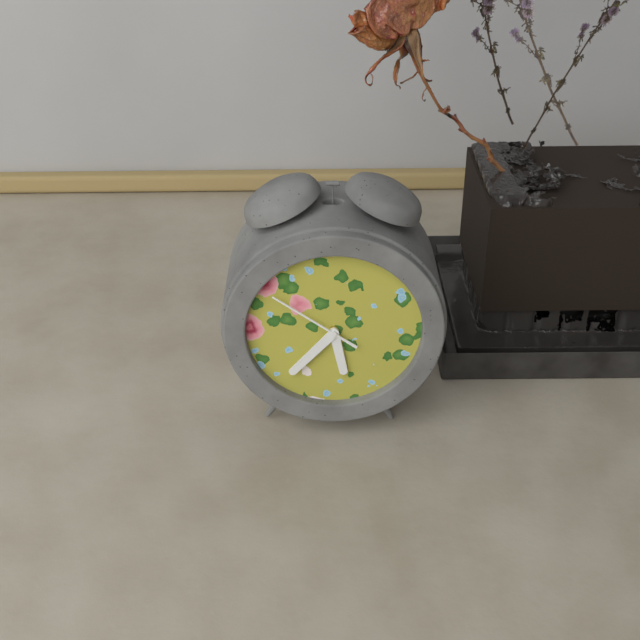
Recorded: h=5 m=37 s=51
